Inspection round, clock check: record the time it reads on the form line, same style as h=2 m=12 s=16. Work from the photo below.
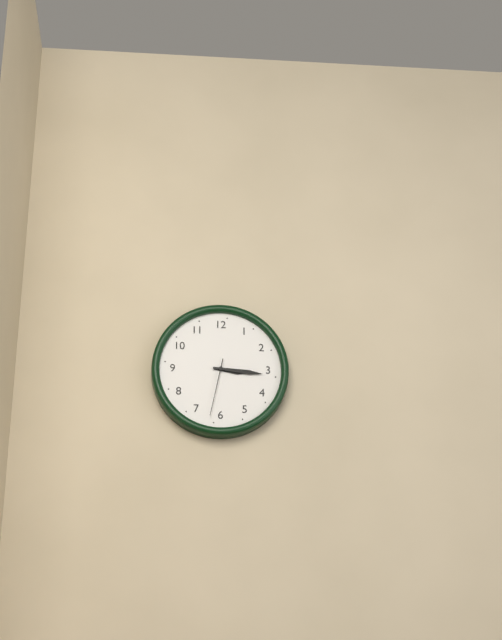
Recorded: h=3 m=16 s=32
